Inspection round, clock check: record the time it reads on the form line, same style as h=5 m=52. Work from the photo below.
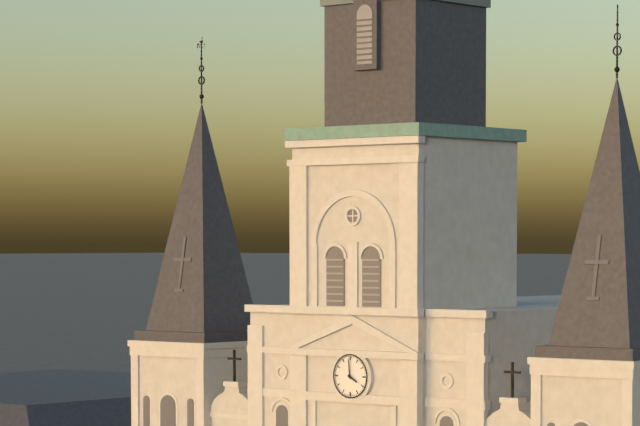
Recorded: h=3 m=59
